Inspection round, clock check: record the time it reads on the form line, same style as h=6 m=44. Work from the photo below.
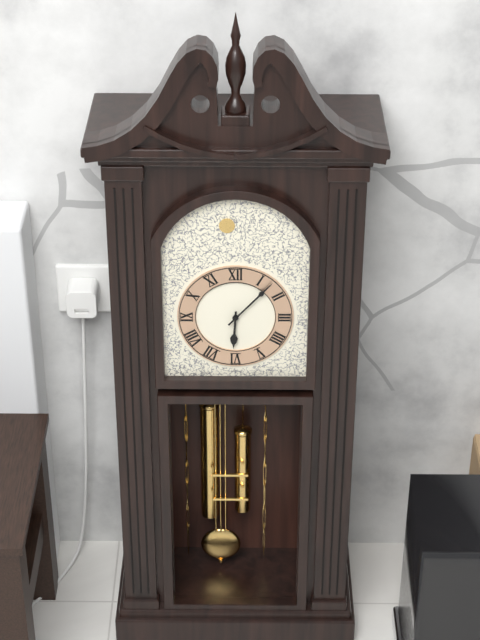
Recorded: h=6 m=7
